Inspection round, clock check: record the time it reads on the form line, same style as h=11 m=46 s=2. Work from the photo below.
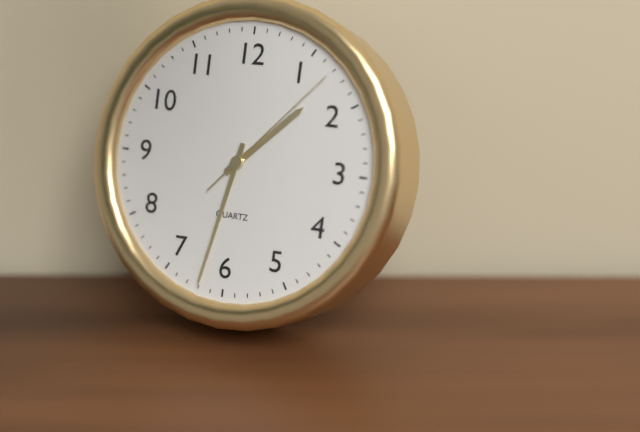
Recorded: h=1 m=32 s=7
